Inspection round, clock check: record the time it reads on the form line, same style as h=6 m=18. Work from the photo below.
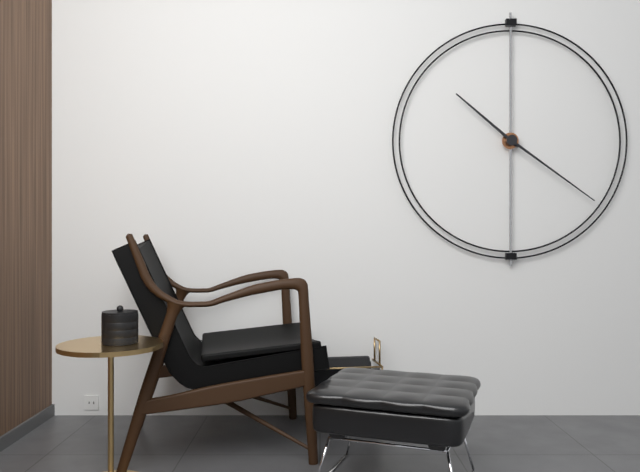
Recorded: h=10 m=21
